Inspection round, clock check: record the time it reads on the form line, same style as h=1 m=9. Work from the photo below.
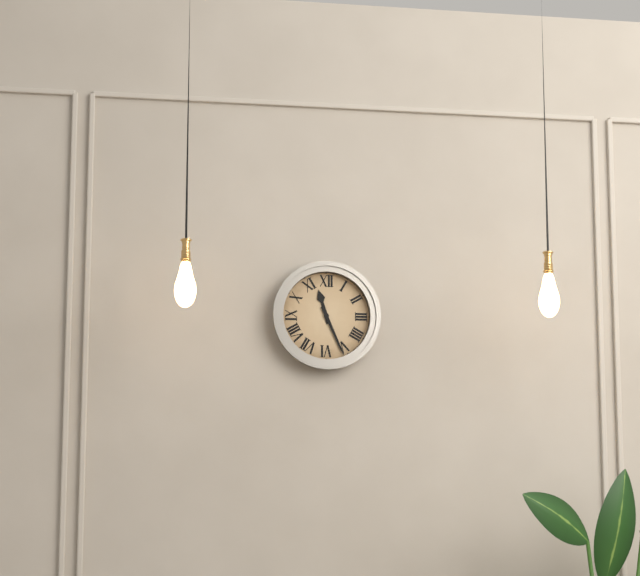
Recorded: h=11 m=26
